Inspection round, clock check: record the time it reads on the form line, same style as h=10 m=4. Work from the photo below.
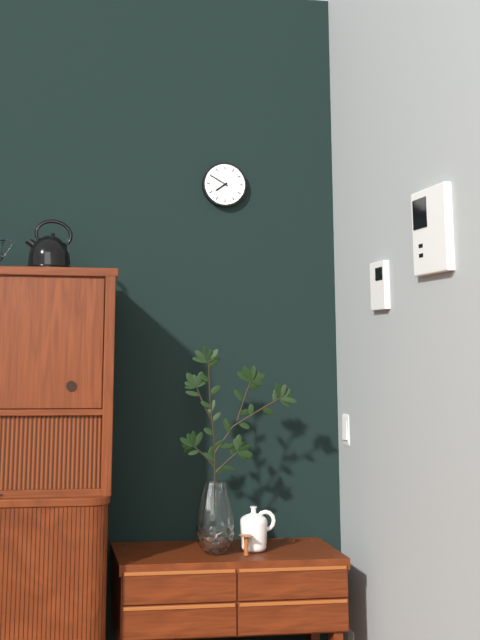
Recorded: h=7 m=50
